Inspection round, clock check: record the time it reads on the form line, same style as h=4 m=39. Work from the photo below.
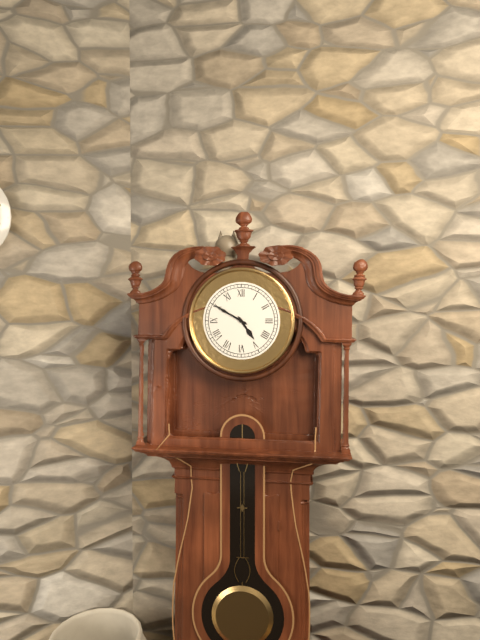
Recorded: h=4 m=50
